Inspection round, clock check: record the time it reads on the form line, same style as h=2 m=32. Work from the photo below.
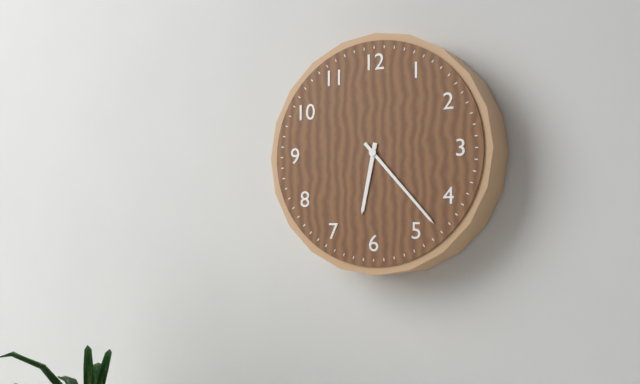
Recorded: h=6 m=23
